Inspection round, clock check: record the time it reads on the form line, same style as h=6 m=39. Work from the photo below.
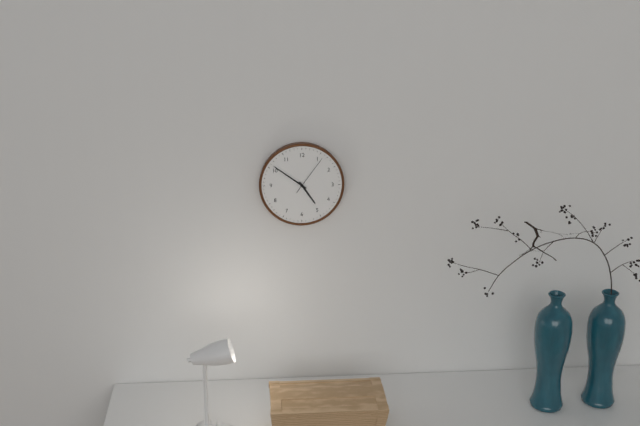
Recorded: h=4 m=51
